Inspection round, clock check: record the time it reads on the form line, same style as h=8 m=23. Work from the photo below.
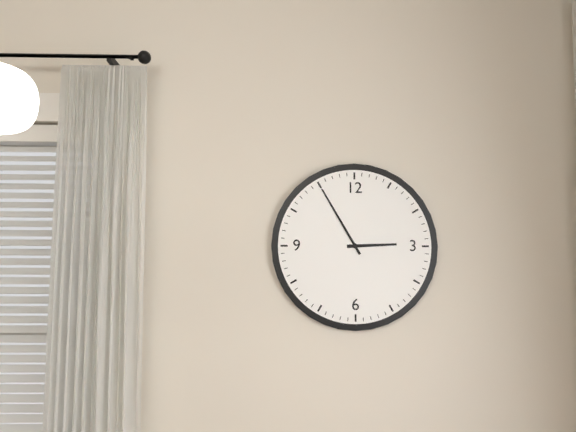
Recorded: h=2 m=55
